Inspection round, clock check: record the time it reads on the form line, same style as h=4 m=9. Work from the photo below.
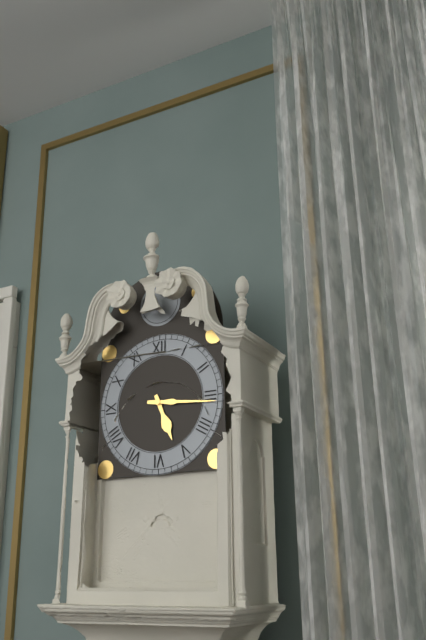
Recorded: h=5 m=16
